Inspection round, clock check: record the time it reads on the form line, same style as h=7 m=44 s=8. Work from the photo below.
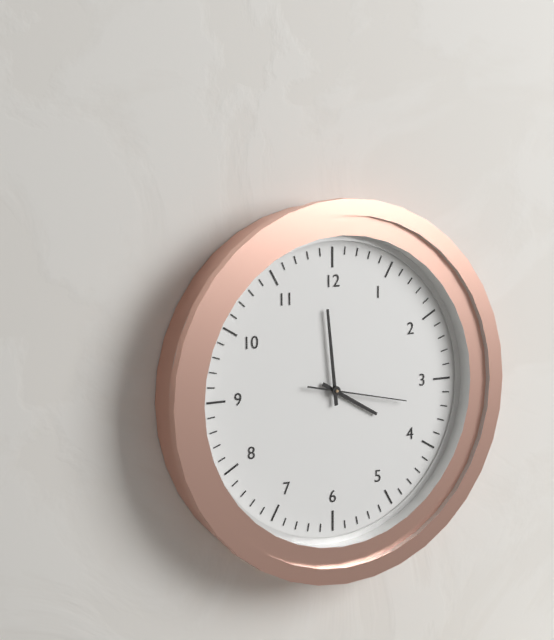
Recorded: h=3 m=59 s=17
